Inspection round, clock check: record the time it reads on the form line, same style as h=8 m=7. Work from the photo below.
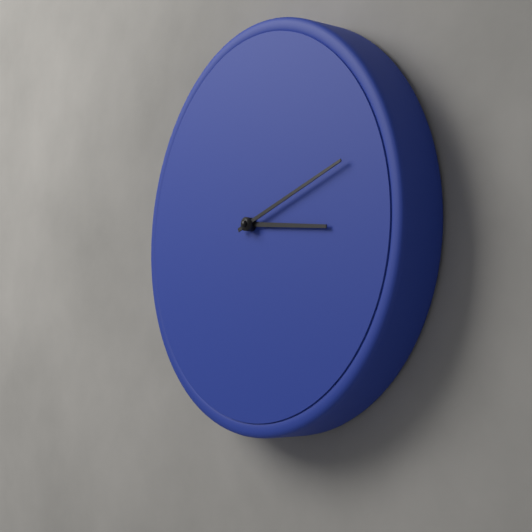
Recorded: h=3 m=12
